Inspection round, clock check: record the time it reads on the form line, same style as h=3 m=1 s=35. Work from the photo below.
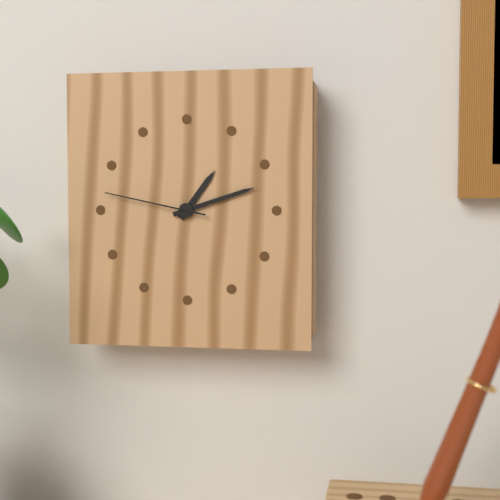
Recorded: h=1 m=12 s=47
